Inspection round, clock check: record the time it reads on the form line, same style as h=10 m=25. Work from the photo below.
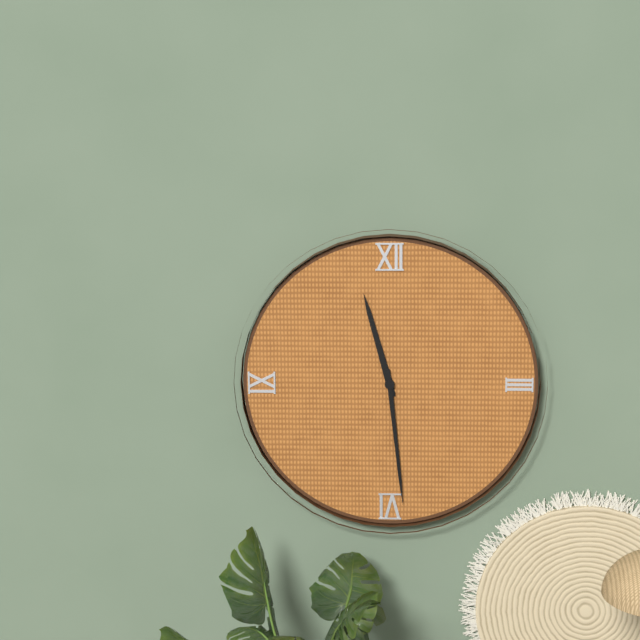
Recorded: h=11 m=29
